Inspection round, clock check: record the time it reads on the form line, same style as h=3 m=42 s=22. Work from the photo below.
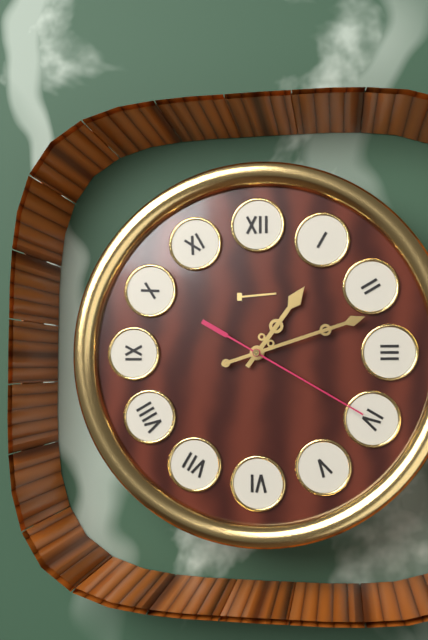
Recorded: h=1 m=12 s=20
